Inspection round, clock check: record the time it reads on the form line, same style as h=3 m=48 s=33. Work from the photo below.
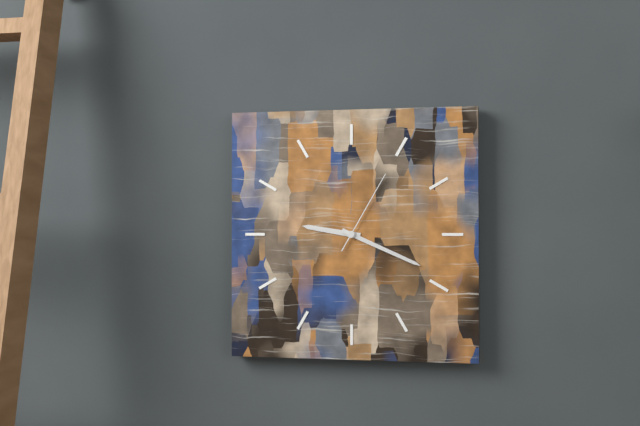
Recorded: h=9 m=19 s=5
